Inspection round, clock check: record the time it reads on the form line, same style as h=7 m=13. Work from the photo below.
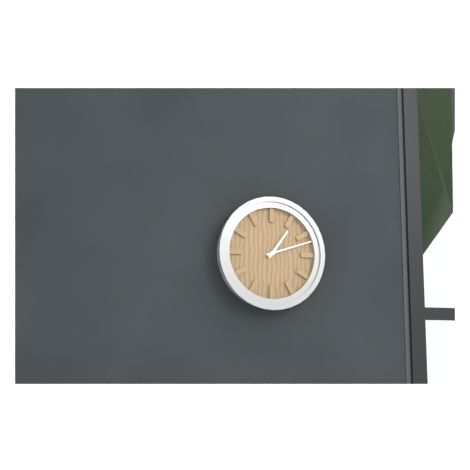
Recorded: h=1 m=12
